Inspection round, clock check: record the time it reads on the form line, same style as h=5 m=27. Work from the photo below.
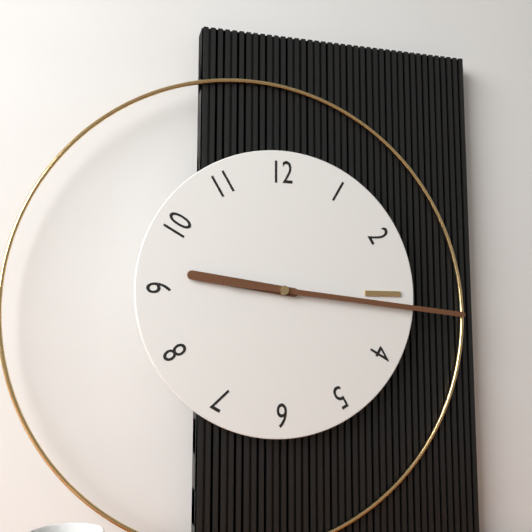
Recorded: h=9 m=16
